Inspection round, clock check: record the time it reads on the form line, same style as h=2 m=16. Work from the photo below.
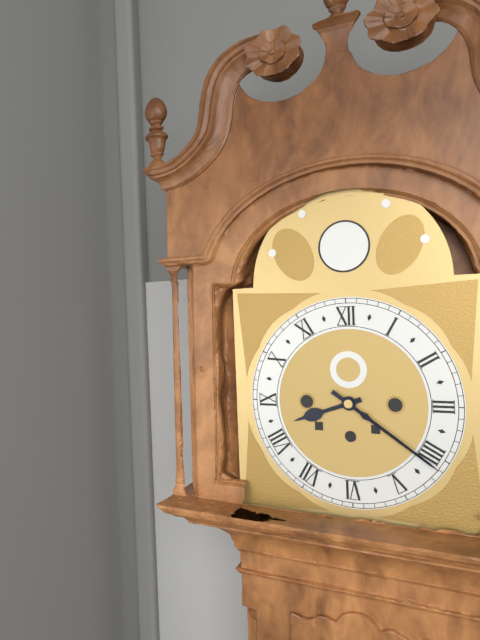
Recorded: h=8 m=21
